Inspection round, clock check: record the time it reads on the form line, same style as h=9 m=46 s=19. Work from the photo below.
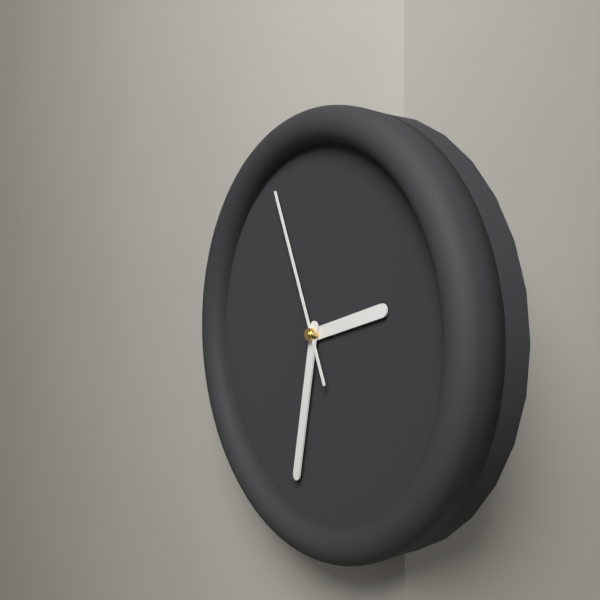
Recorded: h=2 m=32 s=56
